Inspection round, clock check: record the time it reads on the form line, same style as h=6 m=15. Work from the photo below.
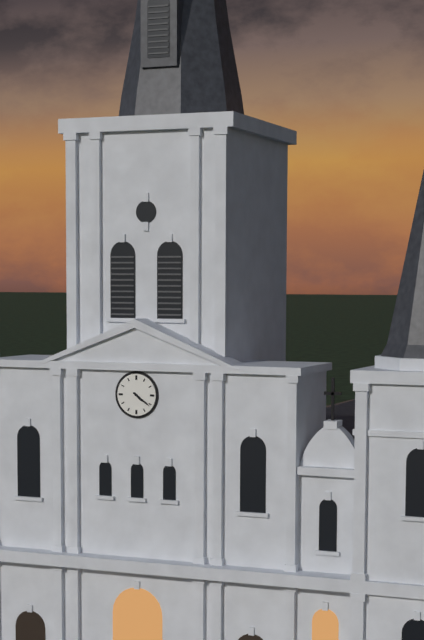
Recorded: h=4 m=21
